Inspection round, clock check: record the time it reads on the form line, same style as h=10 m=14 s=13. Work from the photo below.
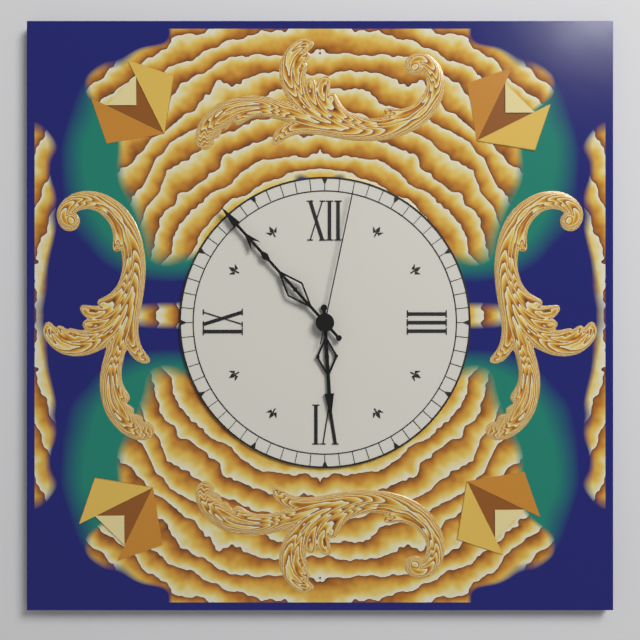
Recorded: h=5 m=53 s=2
